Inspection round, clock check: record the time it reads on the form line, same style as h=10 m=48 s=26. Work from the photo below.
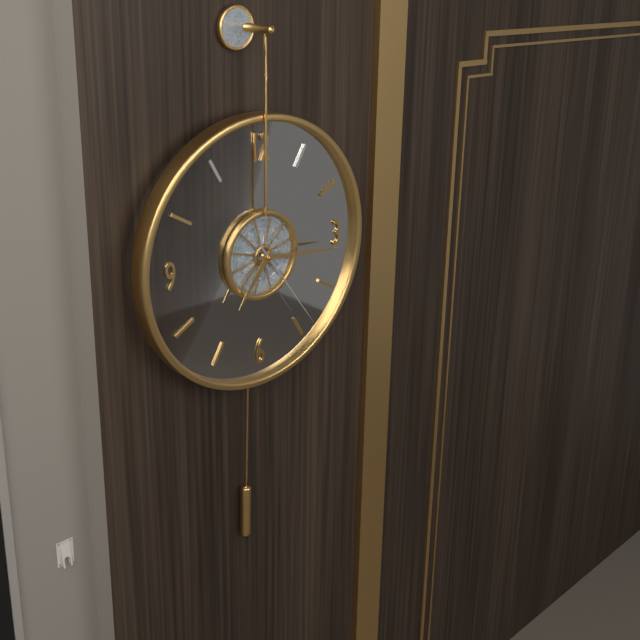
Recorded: h=7 m=16 s=24
